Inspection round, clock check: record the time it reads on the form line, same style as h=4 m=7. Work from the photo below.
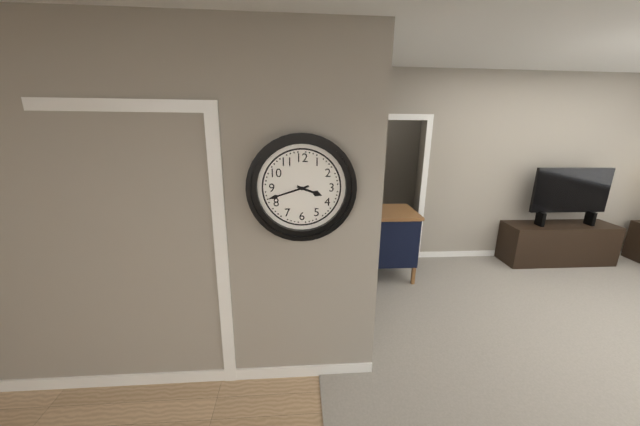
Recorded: h=3 m=42
